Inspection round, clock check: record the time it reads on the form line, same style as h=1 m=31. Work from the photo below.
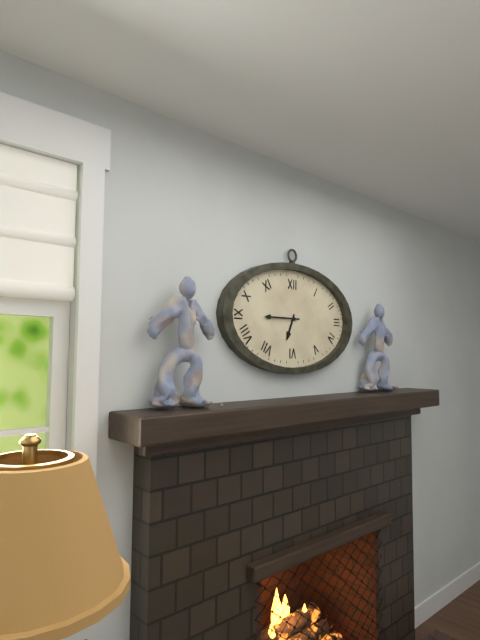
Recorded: h=6 m=45
